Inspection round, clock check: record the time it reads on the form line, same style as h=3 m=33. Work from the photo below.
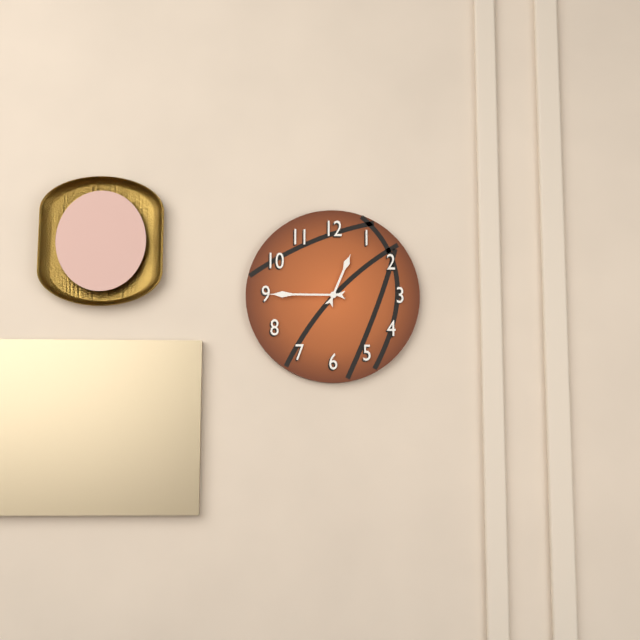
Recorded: h=12 m=45
